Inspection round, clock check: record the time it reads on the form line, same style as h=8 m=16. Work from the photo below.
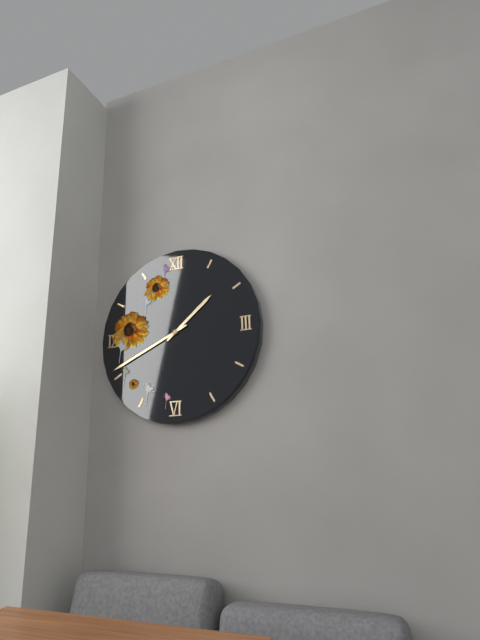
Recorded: h=1 m=41
